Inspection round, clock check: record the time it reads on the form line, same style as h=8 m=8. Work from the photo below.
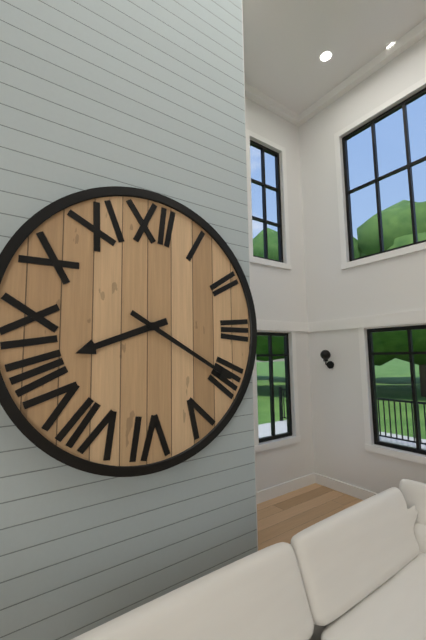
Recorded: h=8 m=20
